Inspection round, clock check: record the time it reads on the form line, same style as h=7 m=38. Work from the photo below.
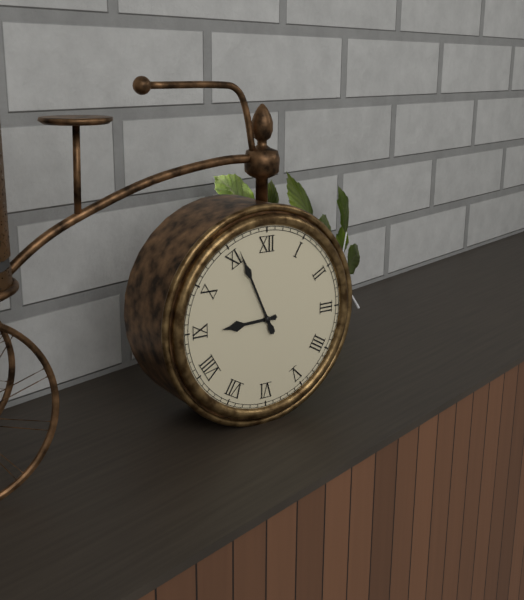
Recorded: h=8 m=56
